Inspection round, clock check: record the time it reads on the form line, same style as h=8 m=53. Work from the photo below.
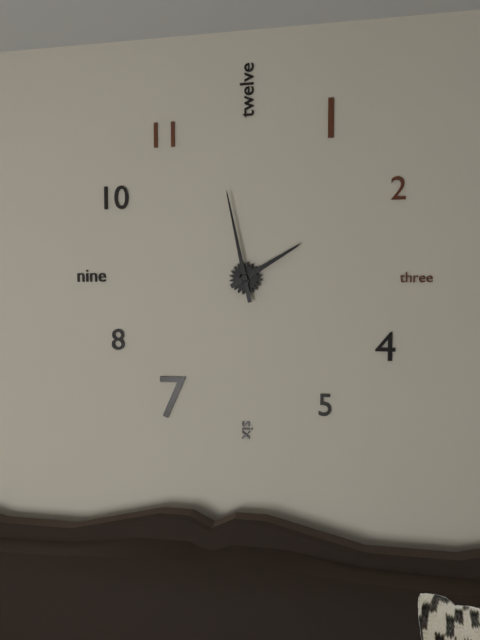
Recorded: h=1 m=58
